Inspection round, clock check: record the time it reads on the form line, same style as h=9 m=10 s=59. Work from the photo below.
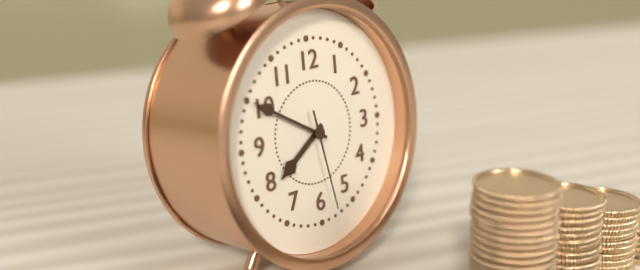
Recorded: h=7 m=50 s=28
